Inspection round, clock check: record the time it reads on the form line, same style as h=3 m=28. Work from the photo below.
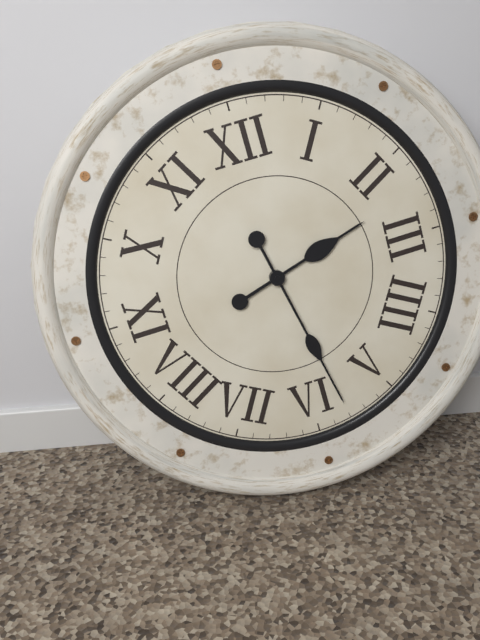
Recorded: h=2 m=28
